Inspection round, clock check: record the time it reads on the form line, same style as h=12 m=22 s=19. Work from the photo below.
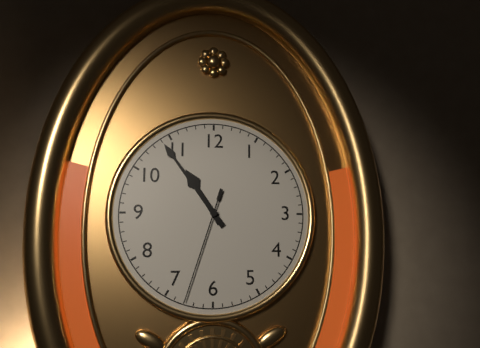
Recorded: h=10 m=54 s=33
